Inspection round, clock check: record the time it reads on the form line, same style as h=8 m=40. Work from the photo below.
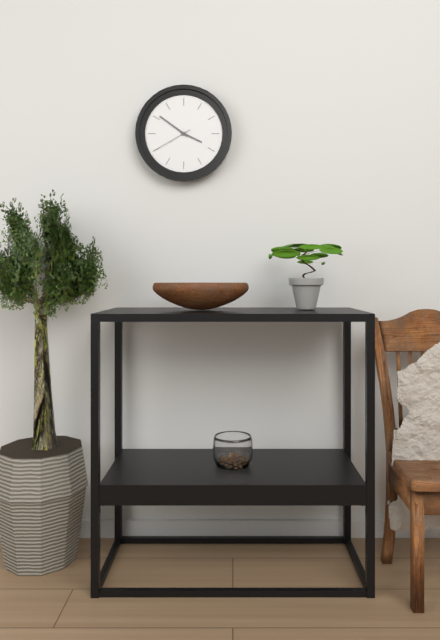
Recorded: h=3 m=51
